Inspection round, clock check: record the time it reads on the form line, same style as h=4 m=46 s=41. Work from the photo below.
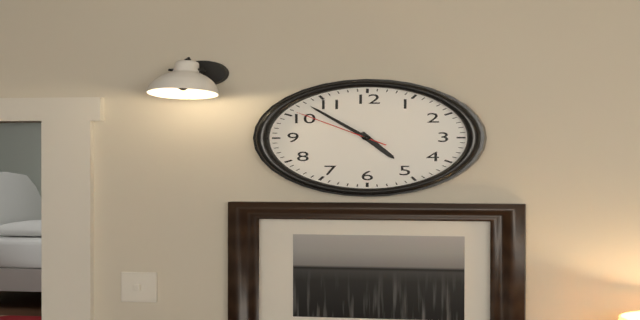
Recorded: h=4 m=53 s=51
